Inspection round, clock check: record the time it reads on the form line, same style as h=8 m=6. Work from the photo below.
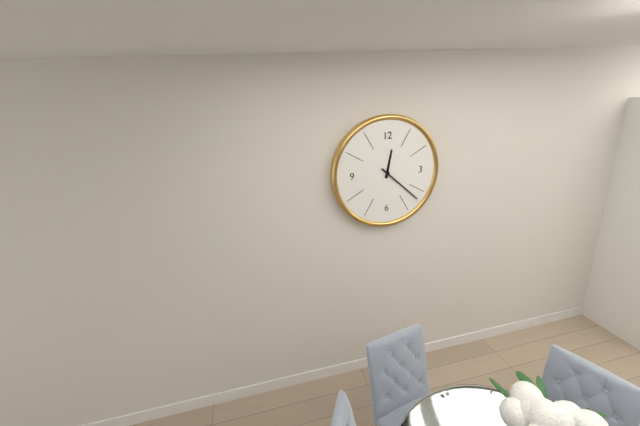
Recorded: h=12 m=22
